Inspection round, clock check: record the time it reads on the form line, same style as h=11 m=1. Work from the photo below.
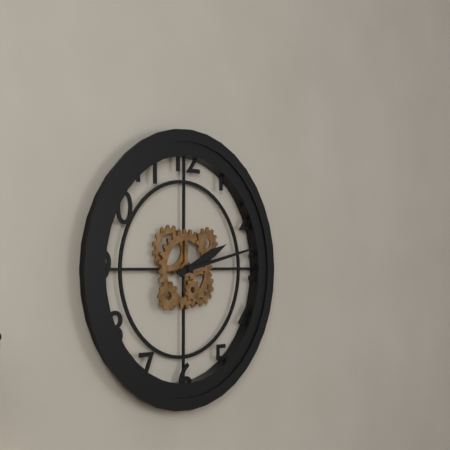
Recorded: h=2 m=13
